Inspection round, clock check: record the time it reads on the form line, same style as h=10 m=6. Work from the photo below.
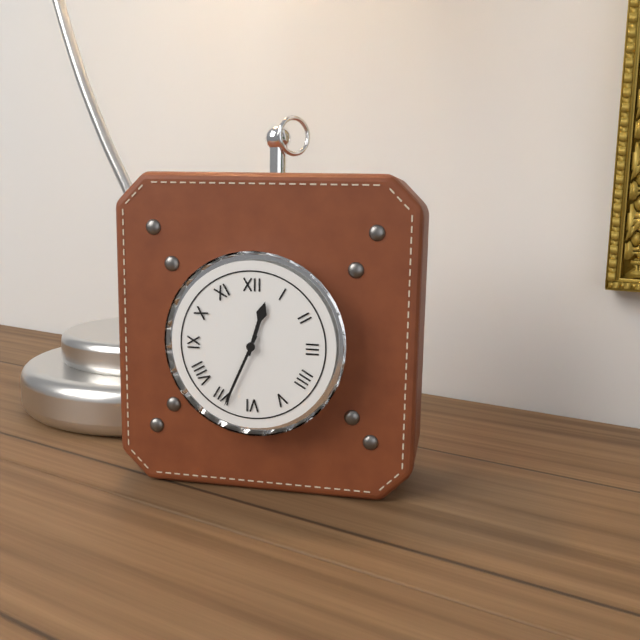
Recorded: h=12 m=34
